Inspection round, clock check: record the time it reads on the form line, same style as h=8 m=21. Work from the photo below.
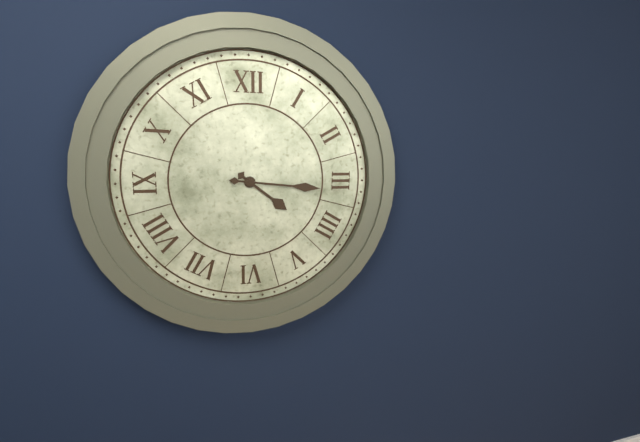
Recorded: h=4 m=16
